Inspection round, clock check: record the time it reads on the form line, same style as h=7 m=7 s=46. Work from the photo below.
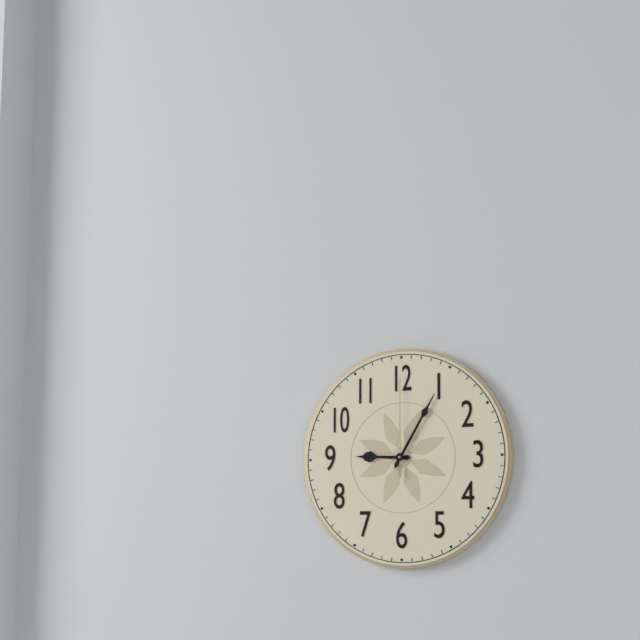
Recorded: h=9 m=5 s=0
